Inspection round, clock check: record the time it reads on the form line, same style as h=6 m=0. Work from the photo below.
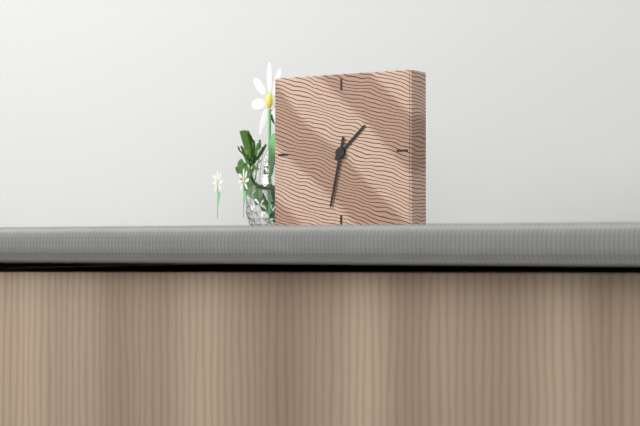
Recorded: h=1 m=32
